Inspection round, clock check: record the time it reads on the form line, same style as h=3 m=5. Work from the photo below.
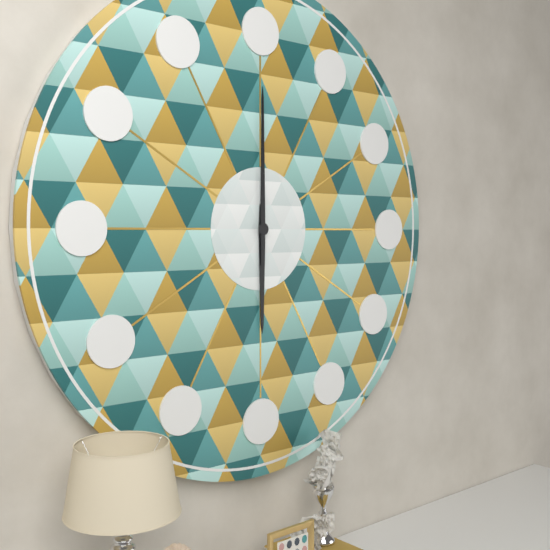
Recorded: h=6 m=0
